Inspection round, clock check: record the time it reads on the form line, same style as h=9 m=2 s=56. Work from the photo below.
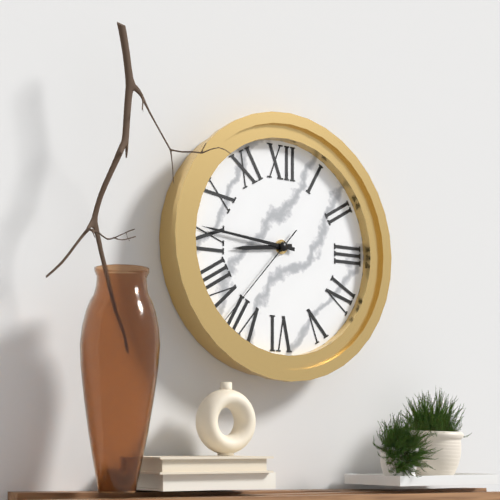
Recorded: h=8 m=46 s=37
